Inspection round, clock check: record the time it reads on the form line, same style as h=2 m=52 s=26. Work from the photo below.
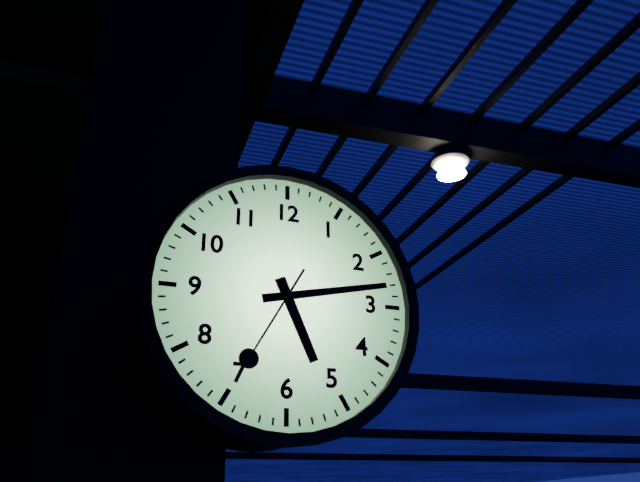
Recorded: h=5 m=13 s=35
